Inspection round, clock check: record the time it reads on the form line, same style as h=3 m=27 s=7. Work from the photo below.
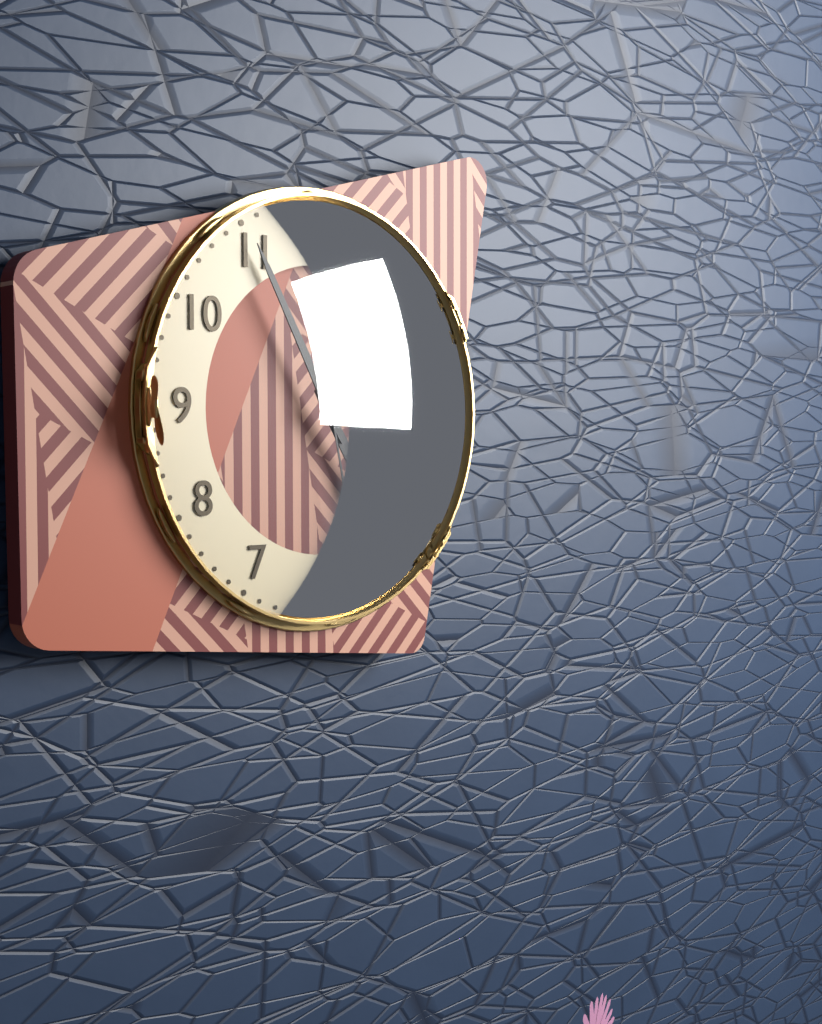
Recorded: h=4 m=55 s=28
